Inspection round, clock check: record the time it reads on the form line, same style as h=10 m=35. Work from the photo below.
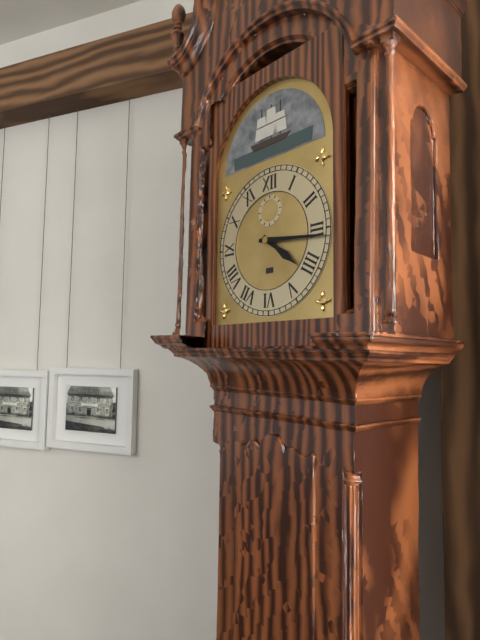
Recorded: h=4 m=16
